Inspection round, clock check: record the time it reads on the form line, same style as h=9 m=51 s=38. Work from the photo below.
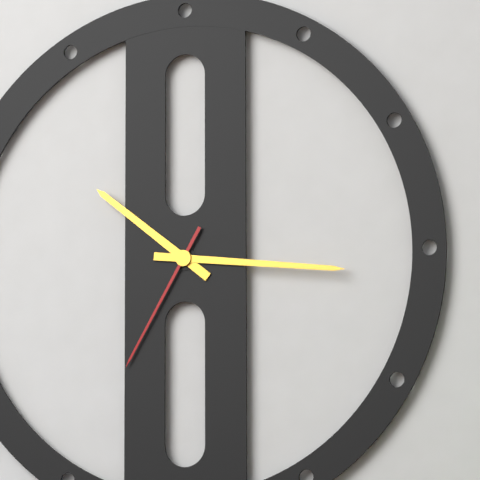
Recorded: h=10 m=16 s=35
